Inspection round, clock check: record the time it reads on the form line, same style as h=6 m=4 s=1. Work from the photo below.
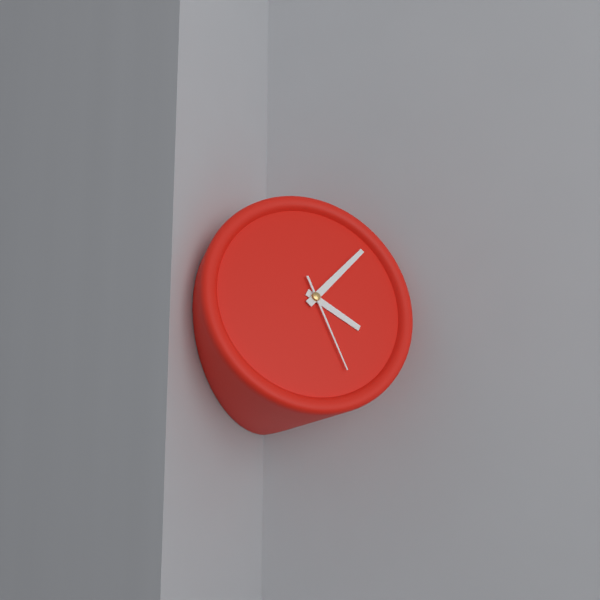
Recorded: h=4 m=8 s=27
